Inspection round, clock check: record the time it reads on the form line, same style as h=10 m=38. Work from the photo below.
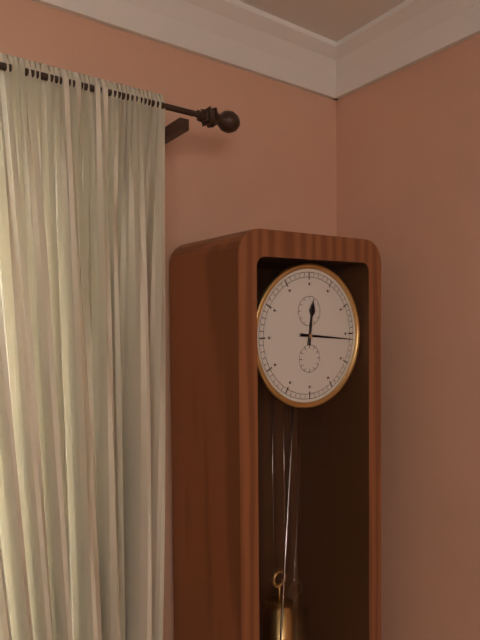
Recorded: h=12 m=16
